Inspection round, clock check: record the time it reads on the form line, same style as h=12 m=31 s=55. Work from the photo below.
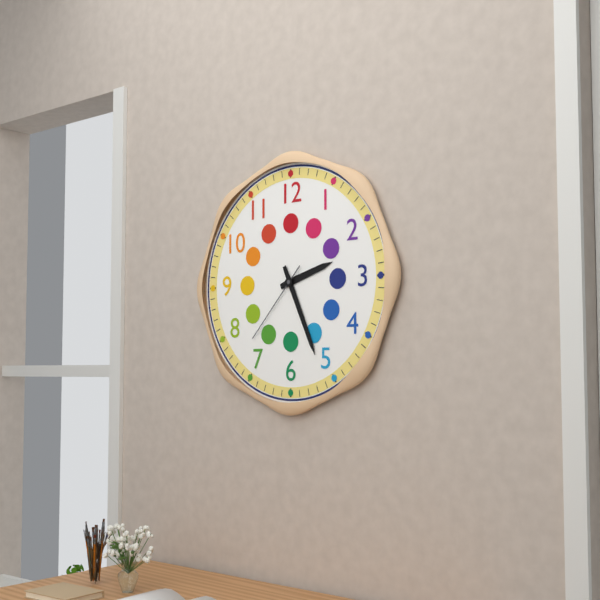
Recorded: h=2 m=26 s=37
